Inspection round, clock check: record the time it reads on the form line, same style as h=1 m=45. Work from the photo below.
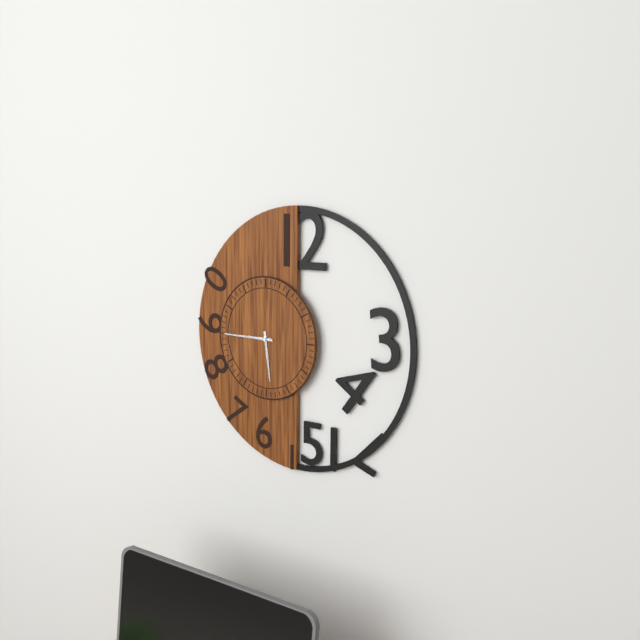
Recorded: h=5 m=45
